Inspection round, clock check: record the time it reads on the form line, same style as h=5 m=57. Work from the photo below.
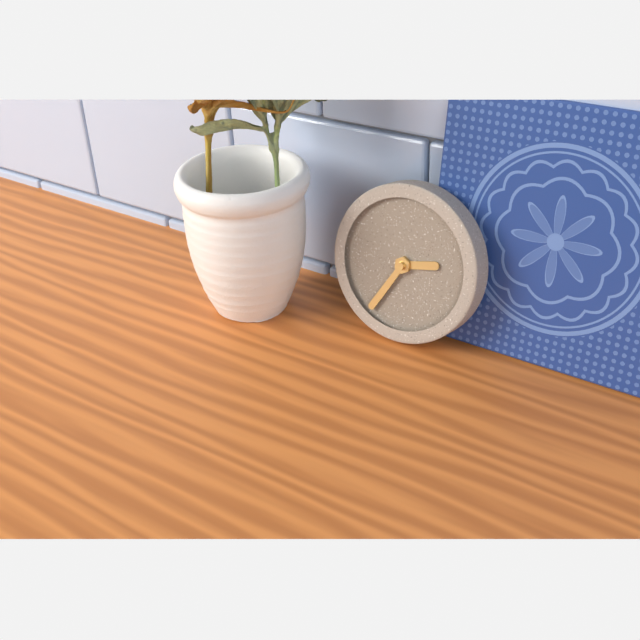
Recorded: h=2 m=35
